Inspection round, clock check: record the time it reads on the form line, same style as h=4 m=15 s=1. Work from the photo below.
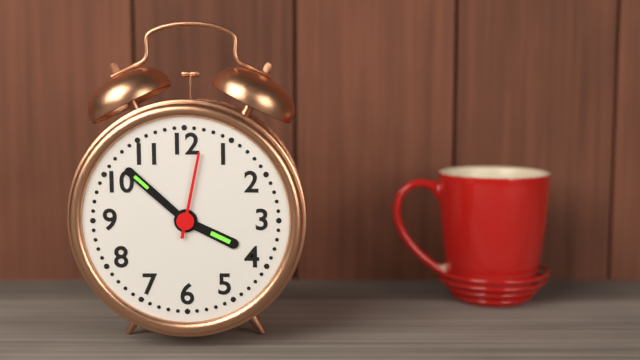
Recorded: h=3 m=52 s=2
